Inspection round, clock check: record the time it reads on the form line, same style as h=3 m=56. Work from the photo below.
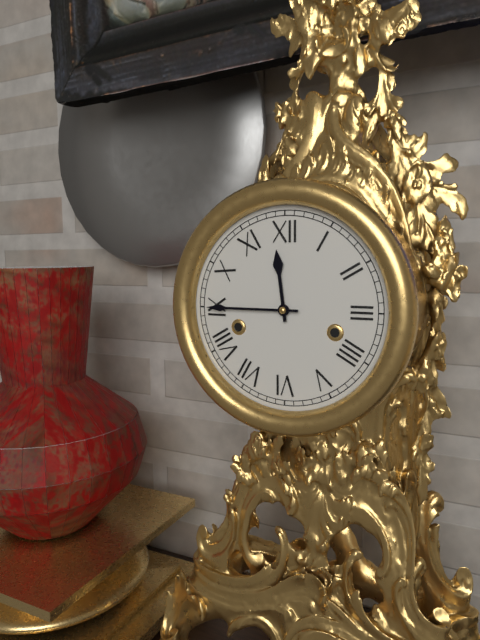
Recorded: h=11 m=45
